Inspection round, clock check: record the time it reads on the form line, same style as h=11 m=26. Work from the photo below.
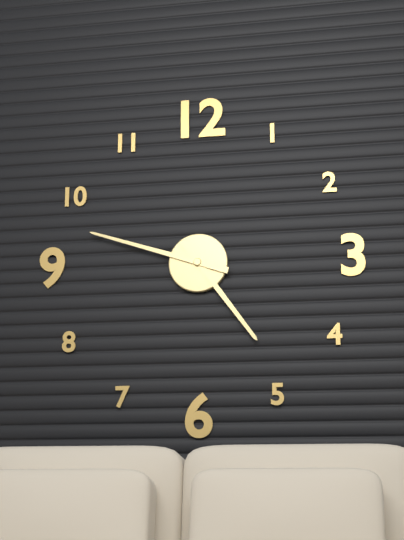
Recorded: h=4 m=48
